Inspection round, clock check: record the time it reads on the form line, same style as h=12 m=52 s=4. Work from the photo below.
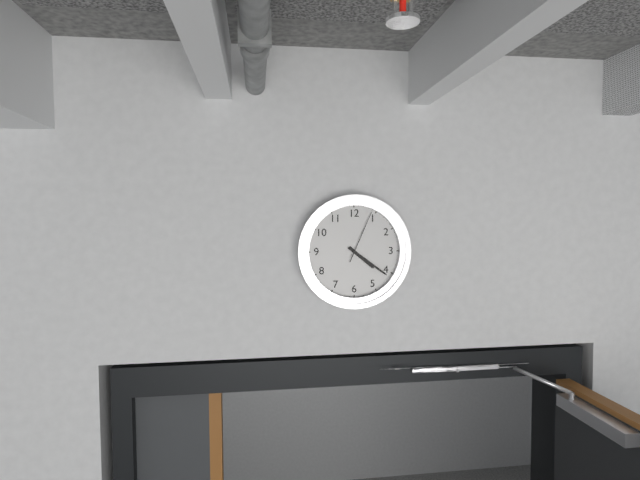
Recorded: h=4 m=21 s=4
